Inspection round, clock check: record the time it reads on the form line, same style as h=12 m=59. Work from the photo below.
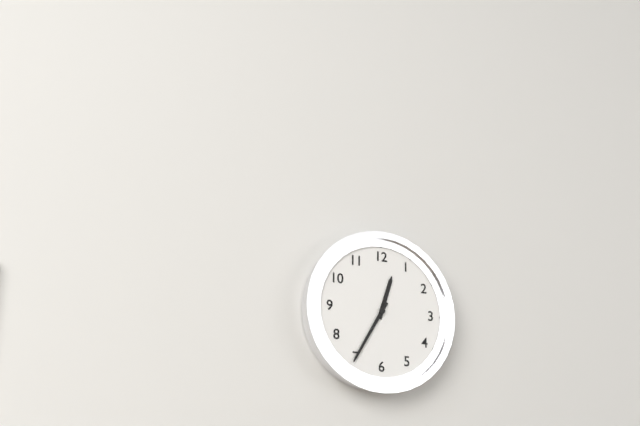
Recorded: h=12 m=35
